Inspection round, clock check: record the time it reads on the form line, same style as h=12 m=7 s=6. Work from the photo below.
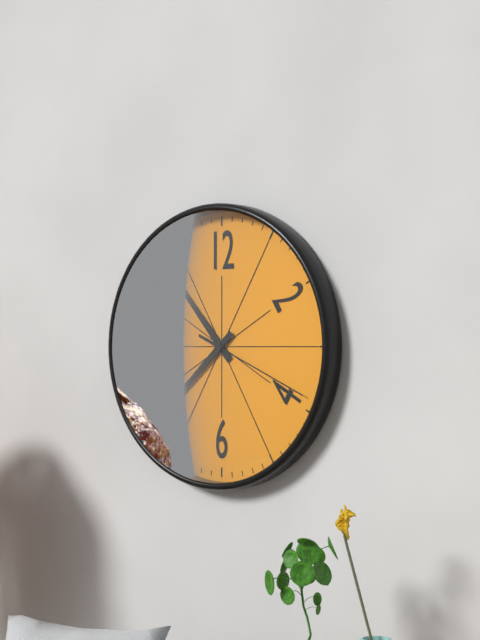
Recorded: h=10 m=38 s=19
